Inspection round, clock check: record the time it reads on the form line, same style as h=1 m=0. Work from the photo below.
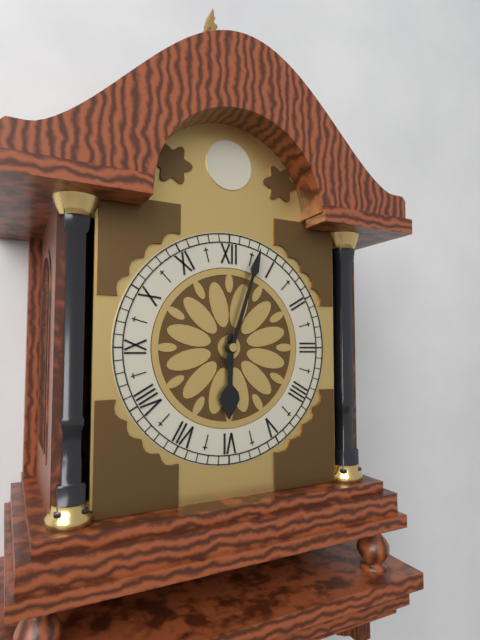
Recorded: h=6 m=3
